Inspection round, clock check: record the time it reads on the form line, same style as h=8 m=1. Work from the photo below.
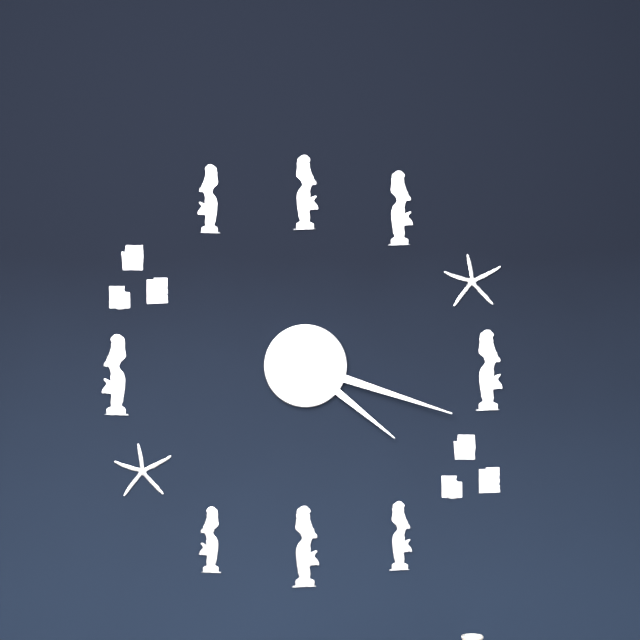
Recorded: h=4 m=18
